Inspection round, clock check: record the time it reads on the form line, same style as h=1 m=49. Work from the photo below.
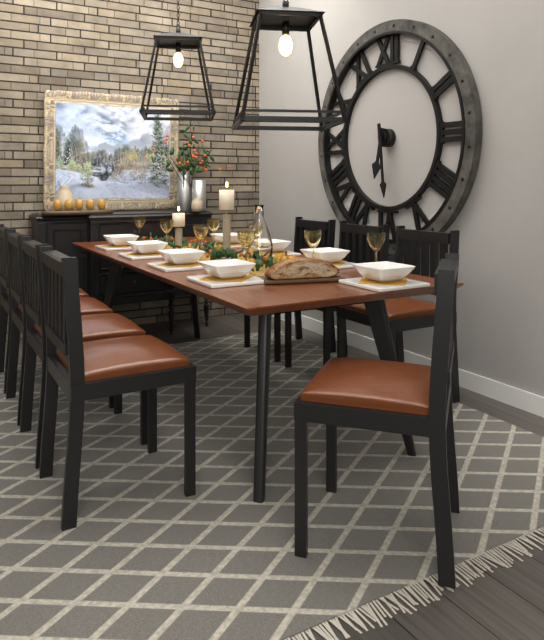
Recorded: h=6 m=29
